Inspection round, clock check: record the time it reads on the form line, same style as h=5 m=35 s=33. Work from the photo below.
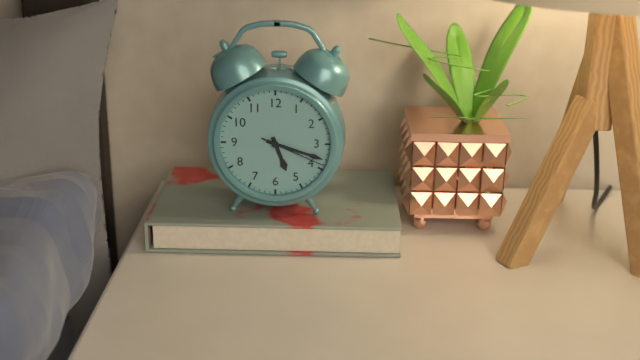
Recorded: h=5 m=18 s=19
